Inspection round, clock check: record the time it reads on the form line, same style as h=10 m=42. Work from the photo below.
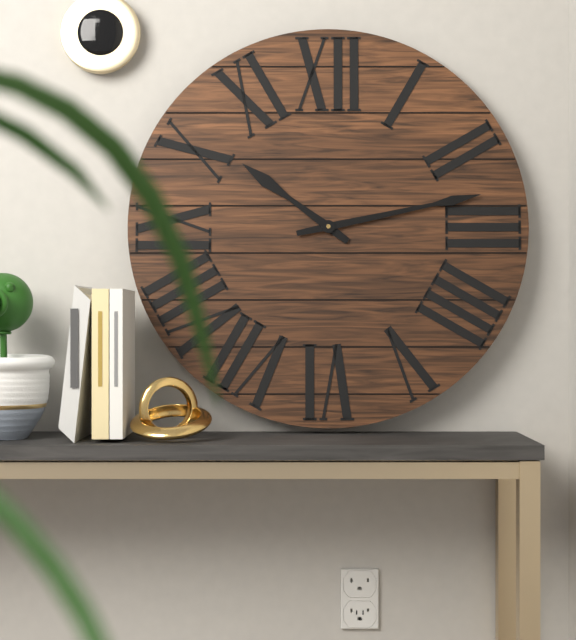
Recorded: h=10 m=13
